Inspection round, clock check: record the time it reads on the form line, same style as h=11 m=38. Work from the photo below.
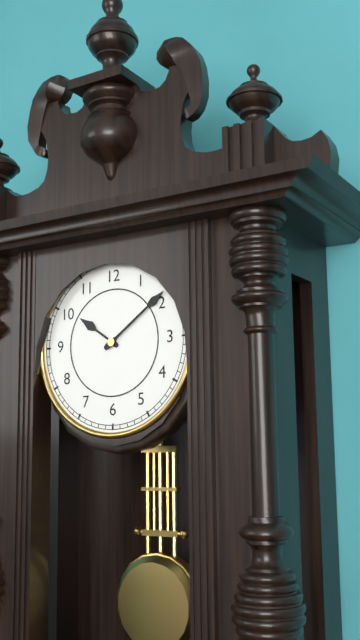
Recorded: h=10 m=9
